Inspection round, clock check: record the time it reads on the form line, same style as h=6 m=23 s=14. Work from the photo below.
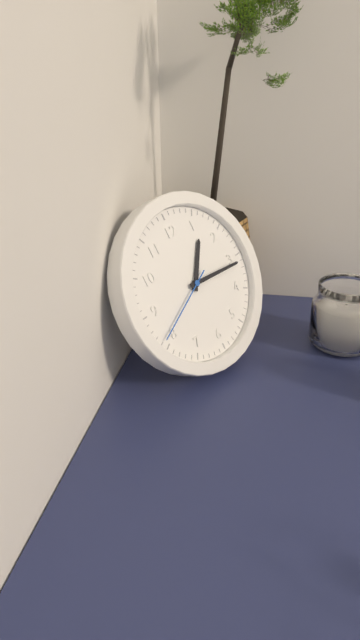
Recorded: h=1 m=16 s=41
